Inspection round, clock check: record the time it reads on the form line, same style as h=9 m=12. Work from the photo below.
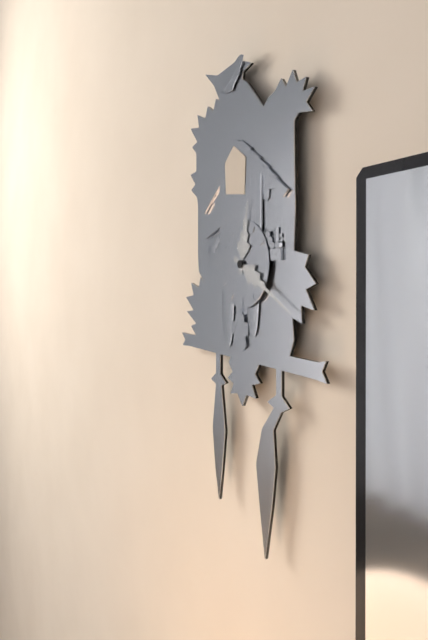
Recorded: h=12 m=20
